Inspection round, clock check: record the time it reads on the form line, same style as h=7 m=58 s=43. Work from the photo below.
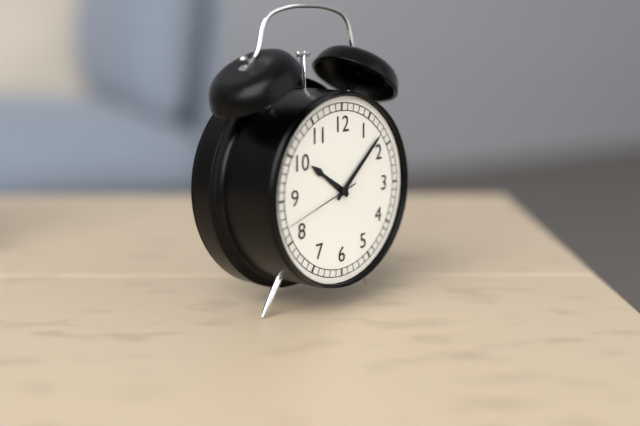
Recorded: h=10 m=8 s=42
